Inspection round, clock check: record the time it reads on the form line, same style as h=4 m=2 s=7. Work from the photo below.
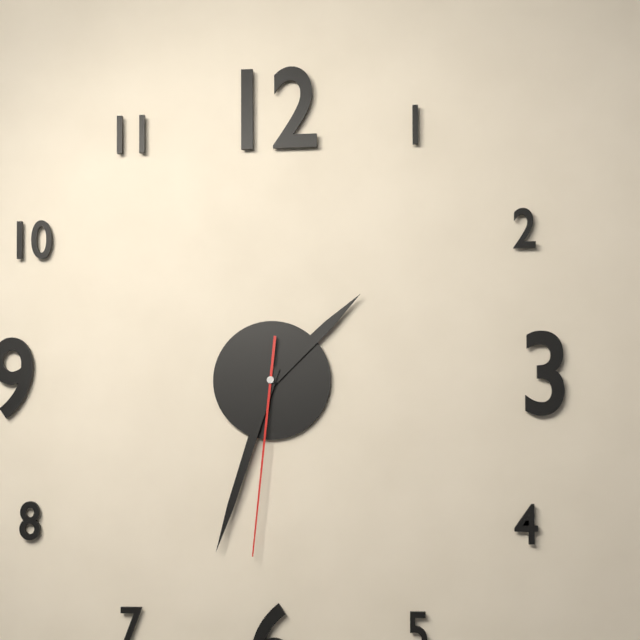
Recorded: h=1 m=33 s=31
